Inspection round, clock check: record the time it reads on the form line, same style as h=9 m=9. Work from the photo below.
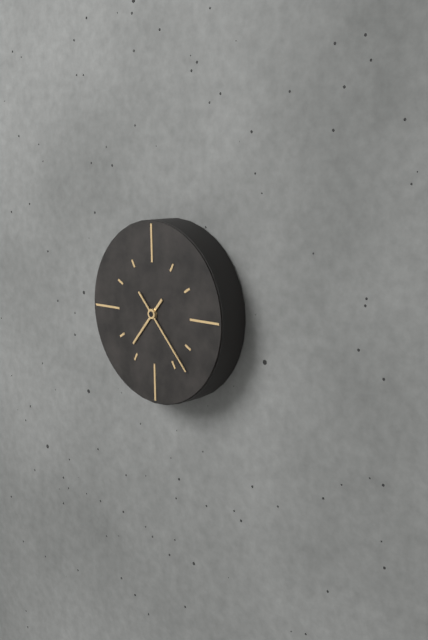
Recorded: h=7 m=23
